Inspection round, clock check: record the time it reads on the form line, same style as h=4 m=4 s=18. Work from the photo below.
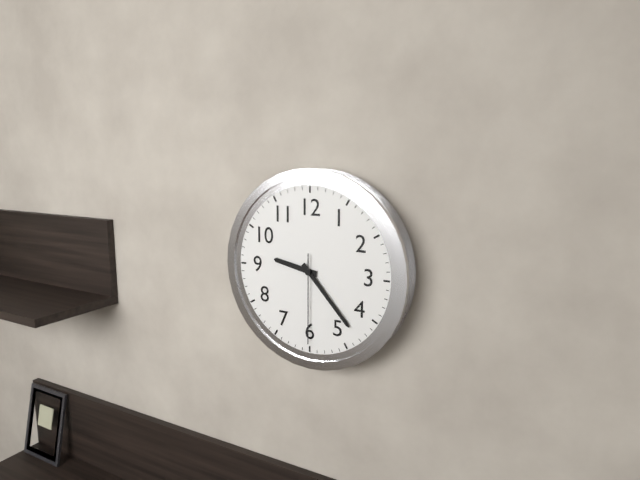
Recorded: h=9 m=23 s=30
